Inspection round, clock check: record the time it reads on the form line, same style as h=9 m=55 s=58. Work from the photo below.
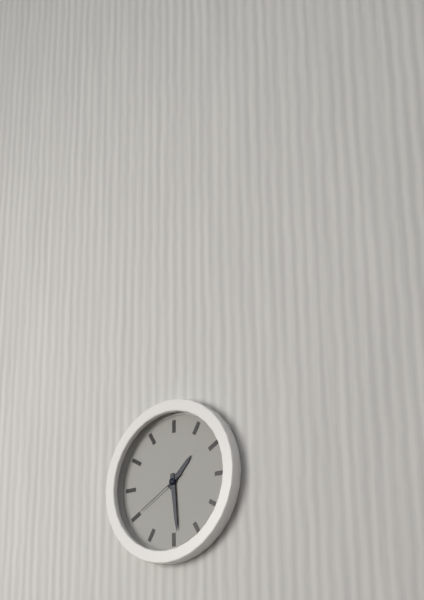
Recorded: h=1 m=29 s=40
